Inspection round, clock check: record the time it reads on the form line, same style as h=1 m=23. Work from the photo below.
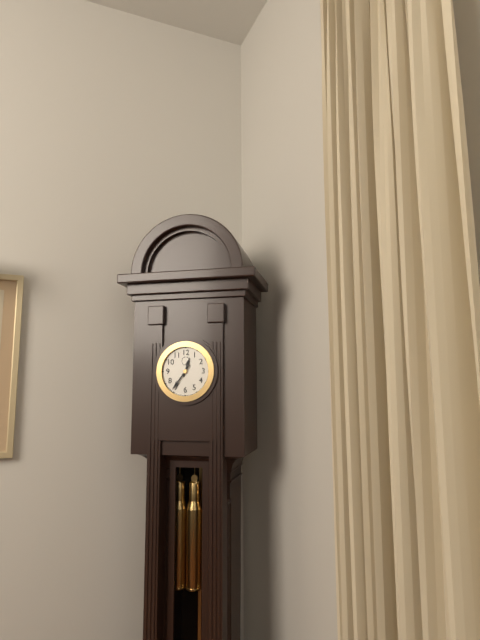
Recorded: h=12 m=36
